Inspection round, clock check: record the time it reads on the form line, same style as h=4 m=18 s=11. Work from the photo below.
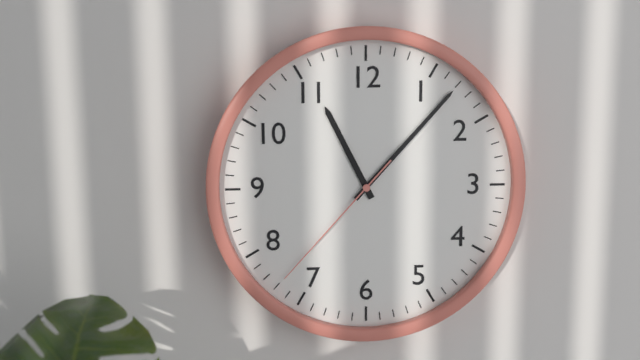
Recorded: h=11 m=7 s=37
